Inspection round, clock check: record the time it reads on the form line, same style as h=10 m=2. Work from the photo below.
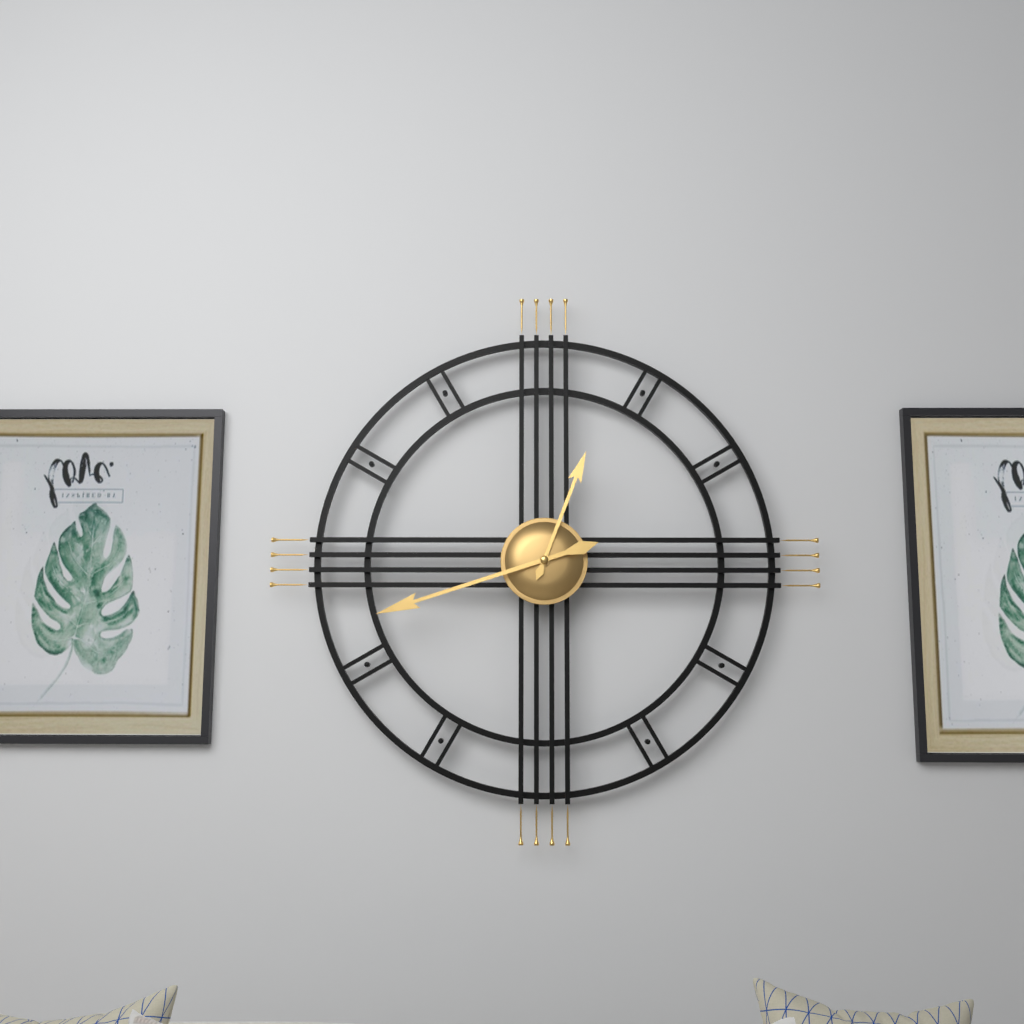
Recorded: h=12 m=42
